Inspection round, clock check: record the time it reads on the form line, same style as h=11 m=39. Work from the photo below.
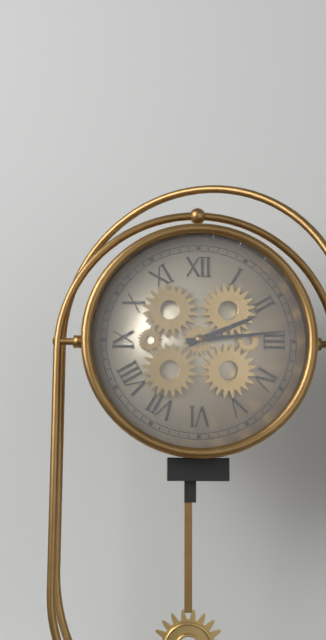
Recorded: h=2 m=14
